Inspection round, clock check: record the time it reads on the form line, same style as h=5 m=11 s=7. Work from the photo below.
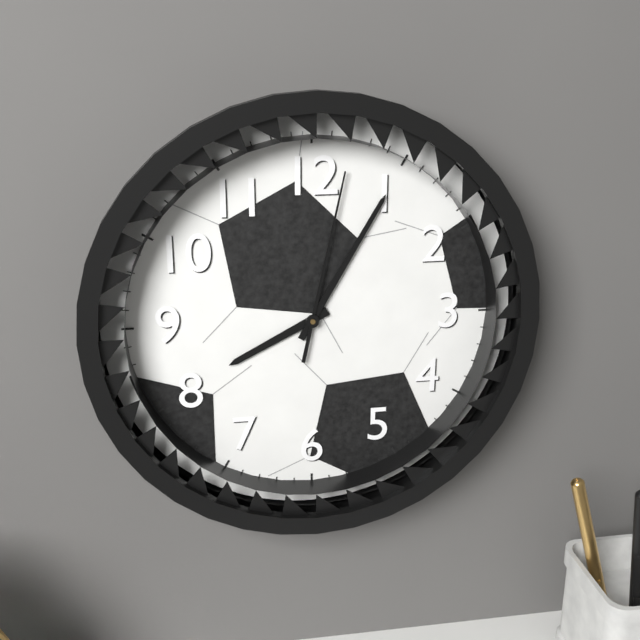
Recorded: h=8 m=5 s=2
